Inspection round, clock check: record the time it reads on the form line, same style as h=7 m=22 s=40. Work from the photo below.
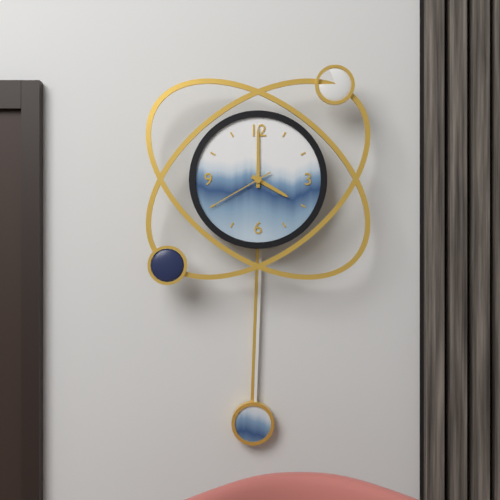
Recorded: h=4 m=0 s=40
